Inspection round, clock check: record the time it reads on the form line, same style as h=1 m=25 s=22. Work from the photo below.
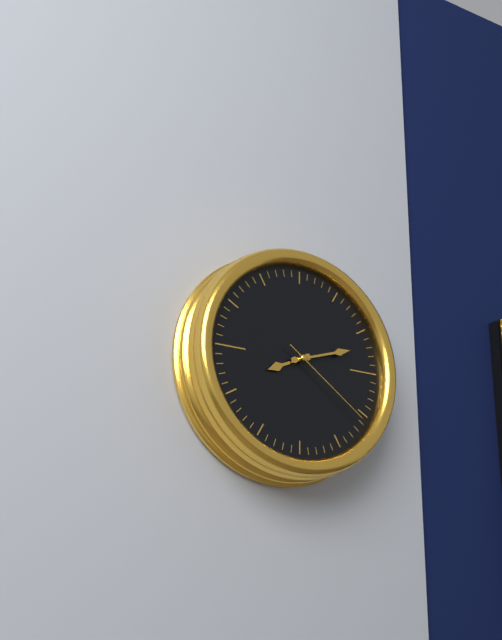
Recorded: h=8 m=12 s=21
